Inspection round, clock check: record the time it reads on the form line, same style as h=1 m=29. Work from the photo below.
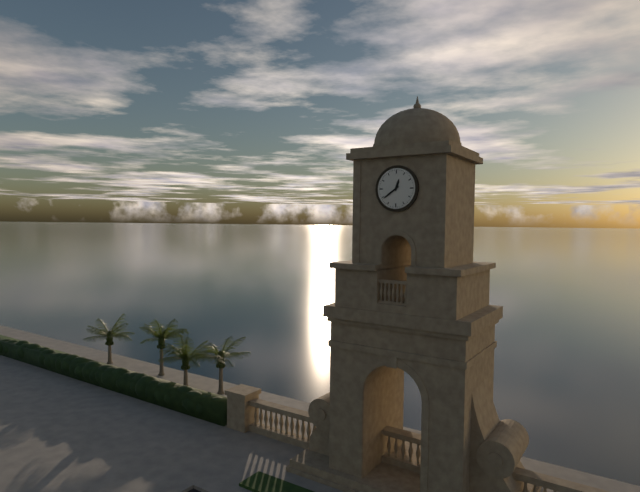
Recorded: h=12 m=39
